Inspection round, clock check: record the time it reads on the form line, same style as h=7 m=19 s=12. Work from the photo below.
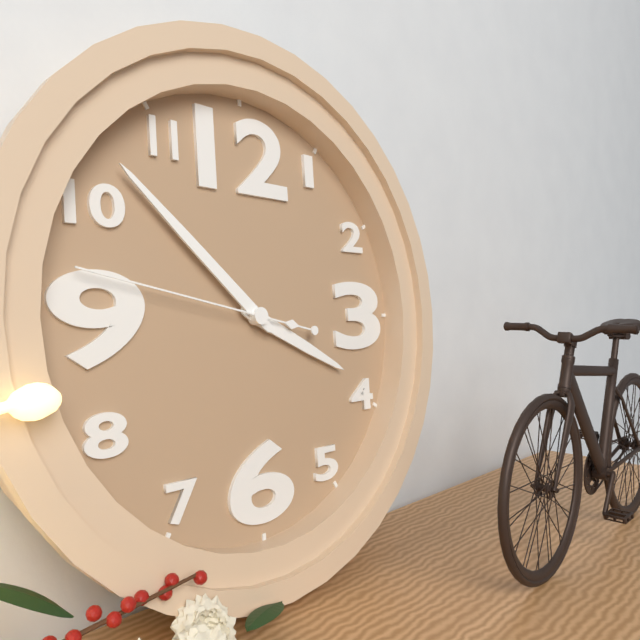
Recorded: h=3 m=52 s=47
